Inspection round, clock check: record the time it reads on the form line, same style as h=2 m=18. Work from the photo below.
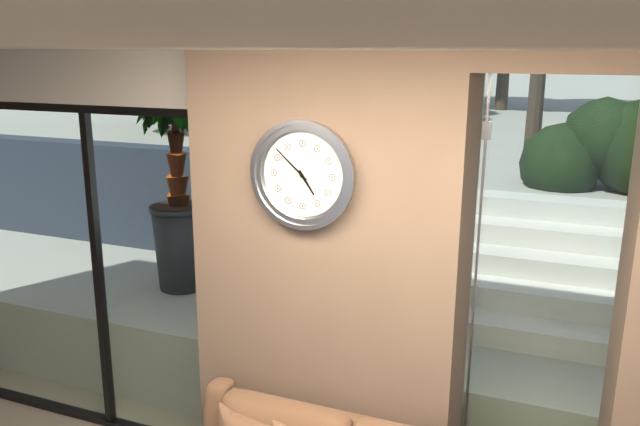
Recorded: h=4 m=52
